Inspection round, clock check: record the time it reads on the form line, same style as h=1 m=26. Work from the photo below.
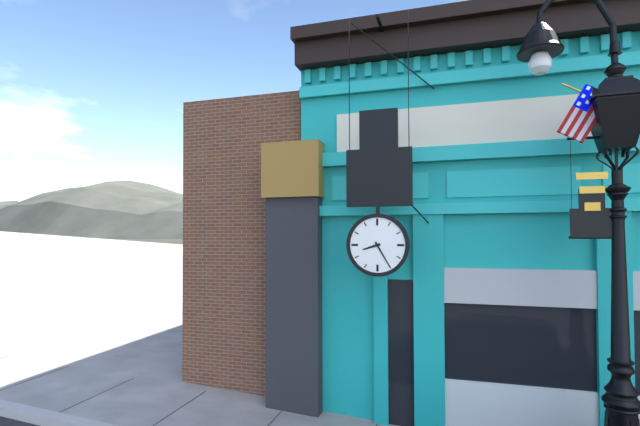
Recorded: h=8 m=25
